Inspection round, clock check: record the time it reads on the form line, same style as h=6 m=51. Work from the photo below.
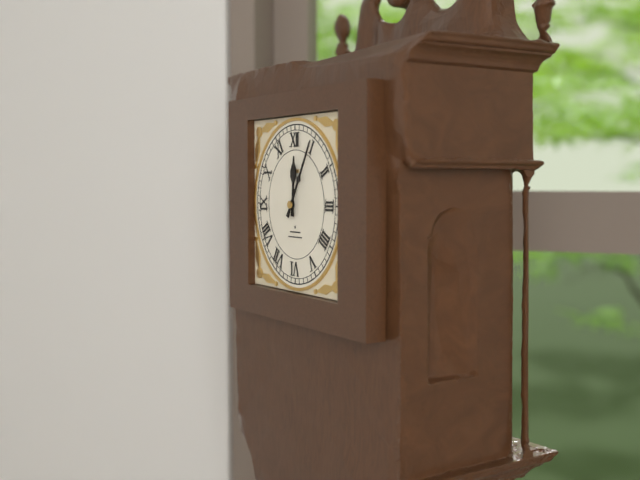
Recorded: h=12 m=5
